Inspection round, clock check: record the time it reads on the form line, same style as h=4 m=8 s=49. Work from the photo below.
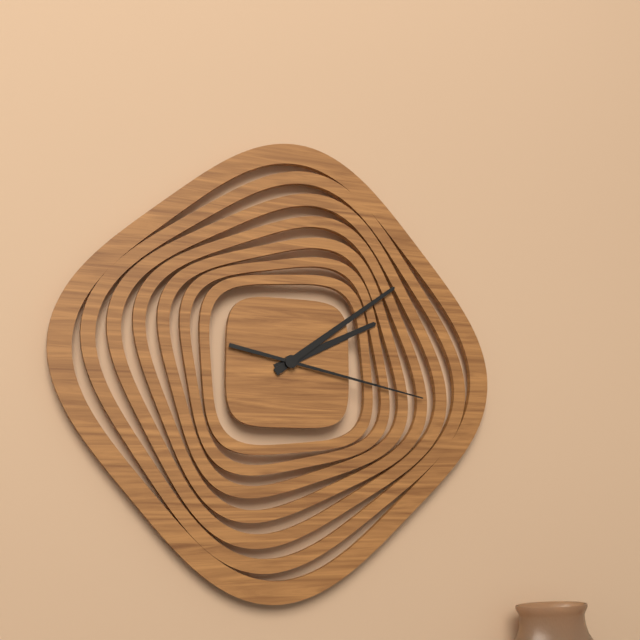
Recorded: h=2 m=9 s=17
